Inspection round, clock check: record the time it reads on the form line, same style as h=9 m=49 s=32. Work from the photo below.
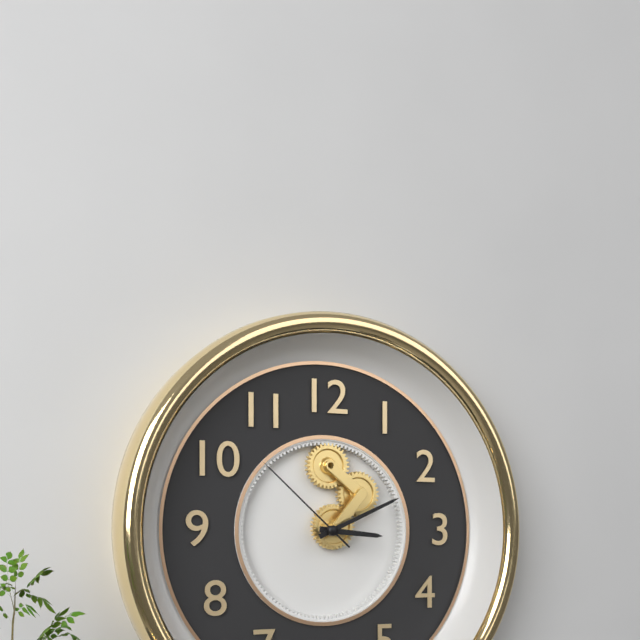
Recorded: h=3 m=11 s=52
